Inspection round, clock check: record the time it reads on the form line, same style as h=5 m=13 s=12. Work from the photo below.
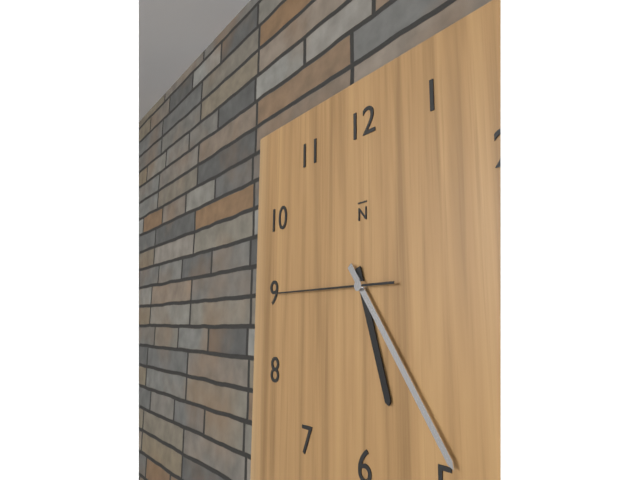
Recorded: h=5 m=24 s=45
